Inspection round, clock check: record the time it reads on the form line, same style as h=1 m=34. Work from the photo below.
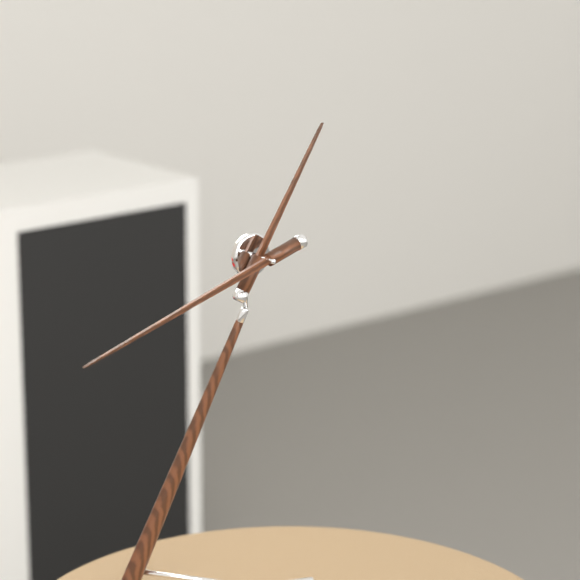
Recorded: h=12 m=40
